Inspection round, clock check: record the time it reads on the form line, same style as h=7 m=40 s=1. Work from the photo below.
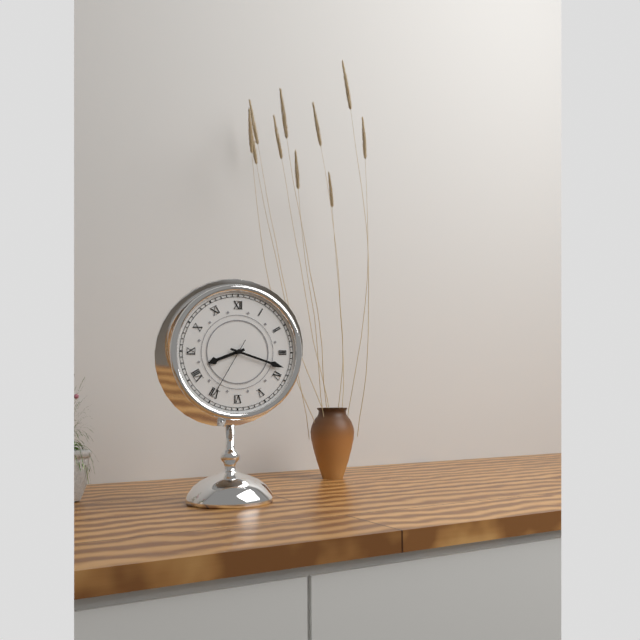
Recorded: h=8 m=18 s=35
